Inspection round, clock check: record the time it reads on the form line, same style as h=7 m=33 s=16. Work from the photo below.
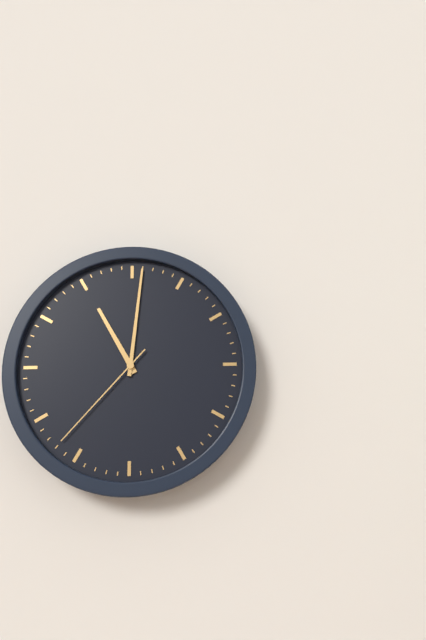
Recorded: h=11 m=1 s=37
